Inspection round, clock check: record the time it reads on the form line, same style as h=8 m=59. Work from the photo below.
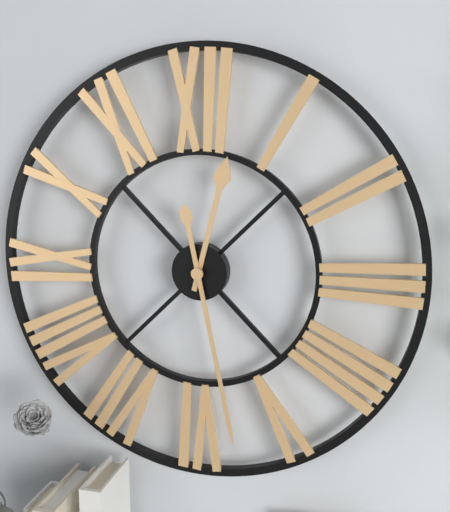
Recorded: h=12 m=28
